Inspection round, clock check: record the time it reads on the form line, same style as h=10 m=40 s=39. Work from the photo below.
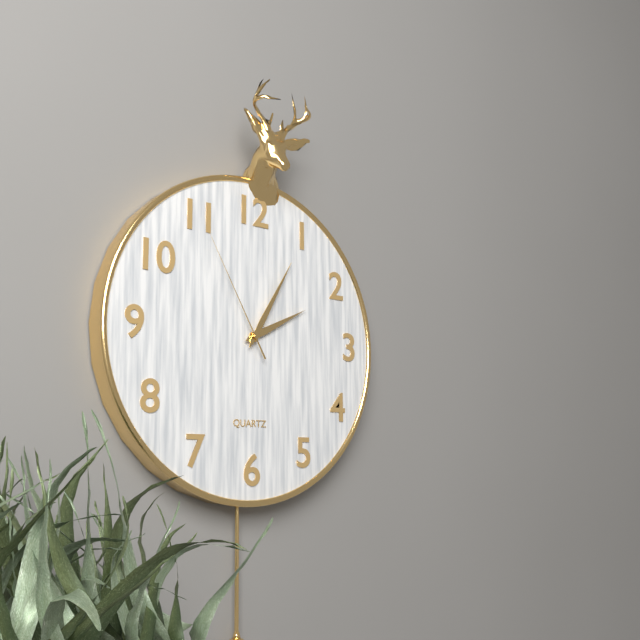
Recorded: h=2 m=5 s=55
